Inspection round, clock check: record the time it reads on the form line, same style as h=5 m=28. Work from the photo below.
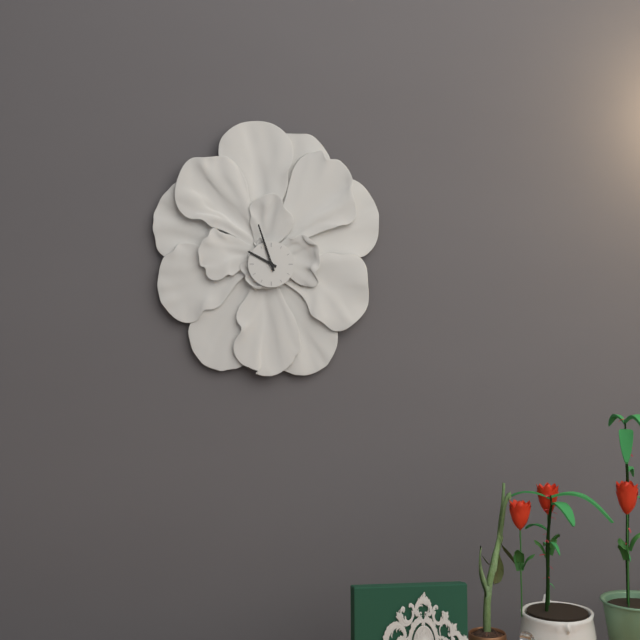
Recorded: h=9 m=57
